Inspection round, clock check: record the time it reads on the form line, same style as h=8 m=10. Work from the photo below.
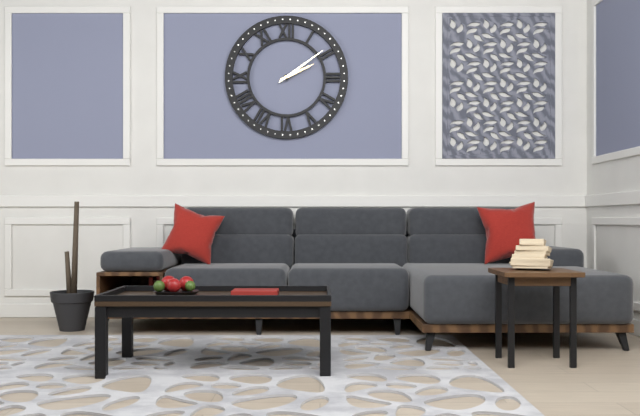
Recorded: h=2 m=9
